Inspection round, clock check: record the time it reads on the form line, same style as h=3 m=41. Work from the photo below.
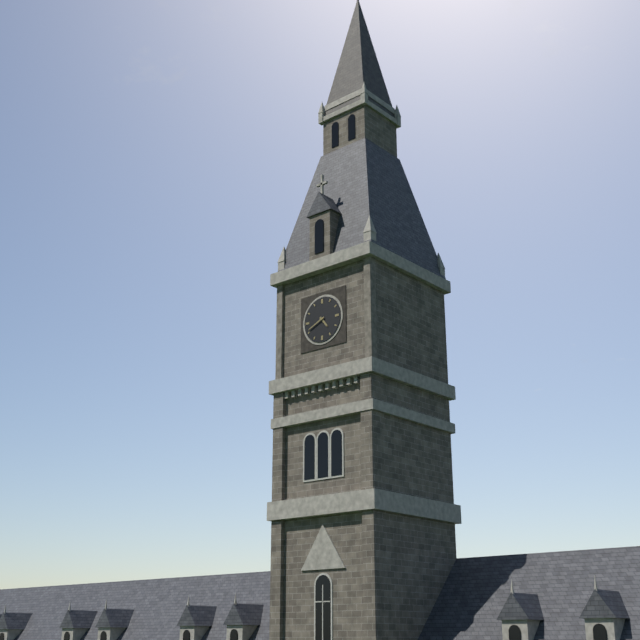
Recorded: h=4 m=41
